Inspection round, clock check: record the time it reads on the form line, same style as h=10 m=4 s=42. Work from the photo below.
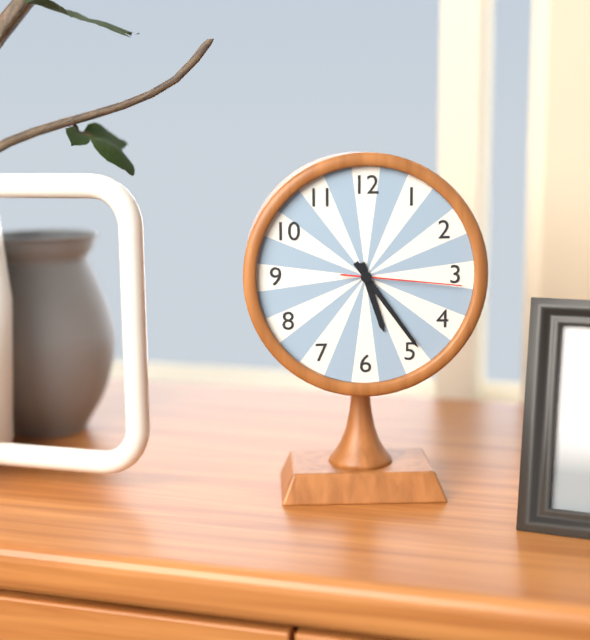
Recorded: h=5 m=24 s=16
